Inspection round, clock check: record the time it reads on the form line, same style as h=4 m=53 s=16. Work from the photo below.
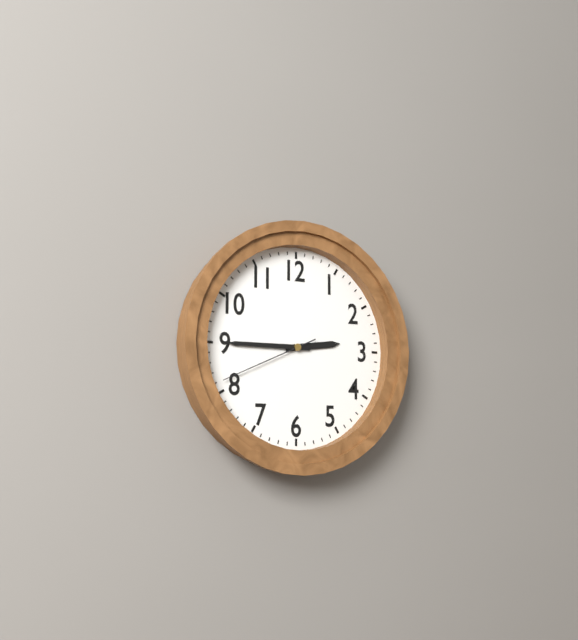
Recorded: h=2 m=45 s=41
